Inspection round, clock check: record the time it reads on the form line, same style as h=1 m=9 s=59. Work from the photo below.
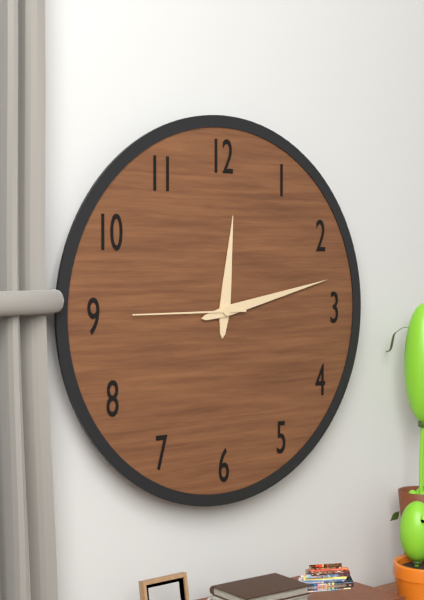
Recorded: h=12 m=13 s=45
